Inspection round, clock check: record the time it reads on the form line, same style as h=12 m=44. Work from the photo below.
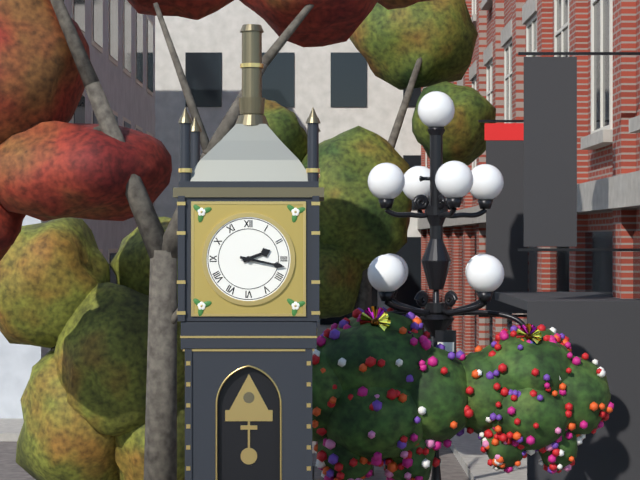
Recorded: h=2 m=17
